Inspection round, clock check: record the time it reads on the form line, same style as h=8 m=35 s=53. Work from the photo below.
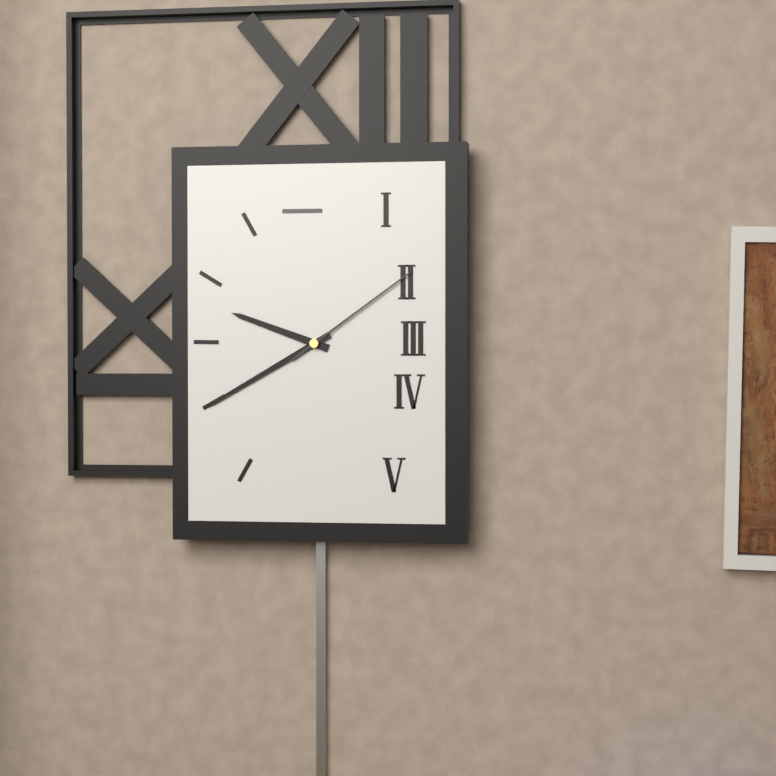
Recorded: h=9 m=40 s=9
